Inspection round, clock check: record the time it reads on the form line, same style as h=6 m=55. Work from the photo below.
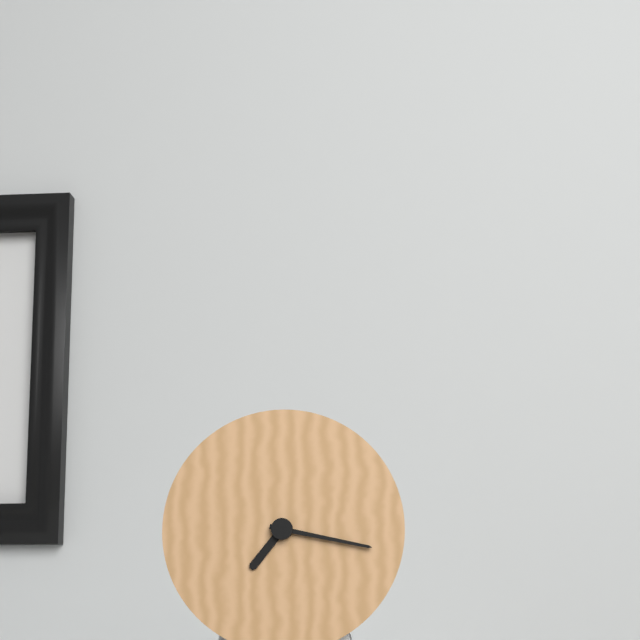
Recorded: h=7 m=17
